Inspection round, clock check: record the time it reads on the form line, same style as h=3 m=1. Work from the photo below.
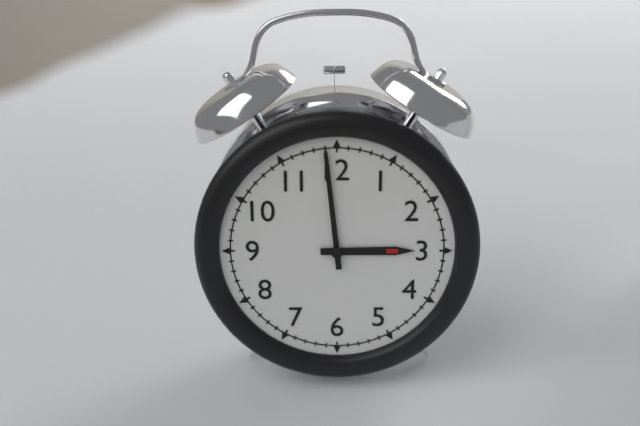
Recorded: h=2 m=59
